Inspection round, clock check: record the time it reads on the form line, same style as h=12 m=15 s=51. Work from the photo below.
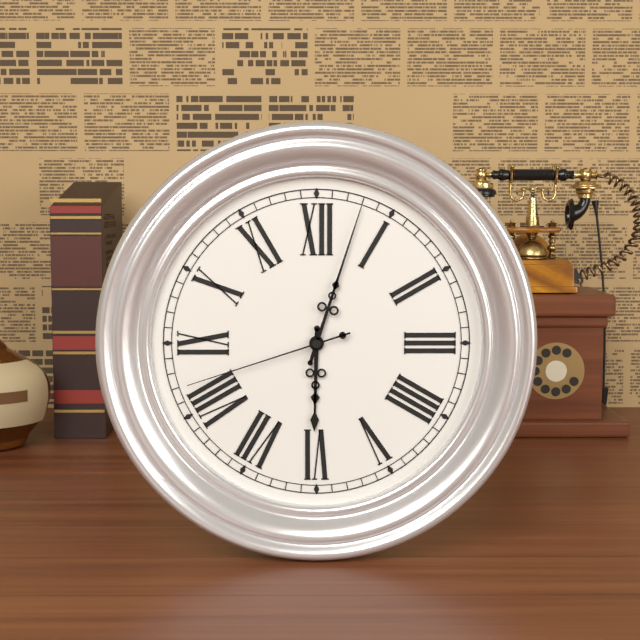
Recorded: h=6 m=3 s=42
